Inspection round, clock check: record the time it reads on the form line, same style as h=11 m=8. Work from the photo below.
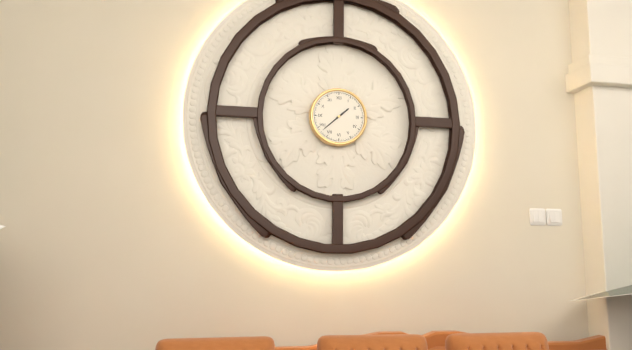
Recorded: h=1 m=38
